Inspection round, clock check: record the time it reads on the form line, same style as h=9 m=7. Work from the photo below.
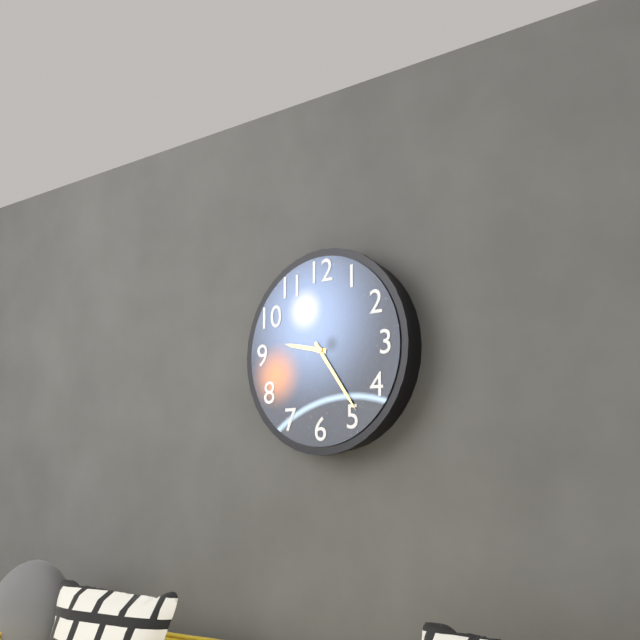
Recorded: h=9 m=24
